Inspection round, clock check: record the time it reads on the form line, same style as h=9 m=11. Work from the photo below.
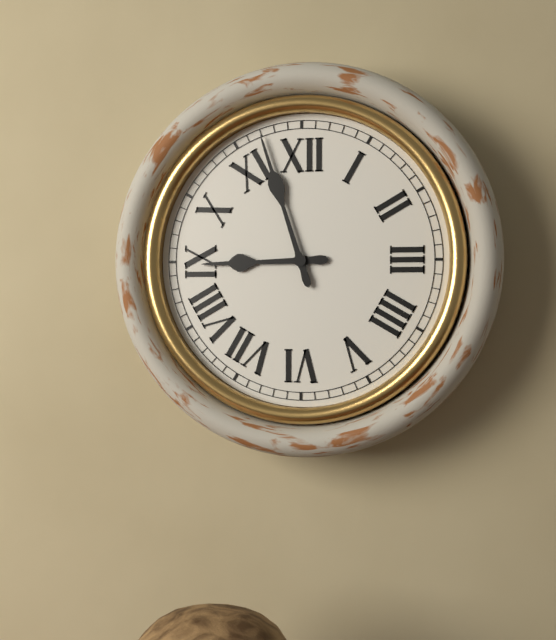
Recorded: h=8 m=57
